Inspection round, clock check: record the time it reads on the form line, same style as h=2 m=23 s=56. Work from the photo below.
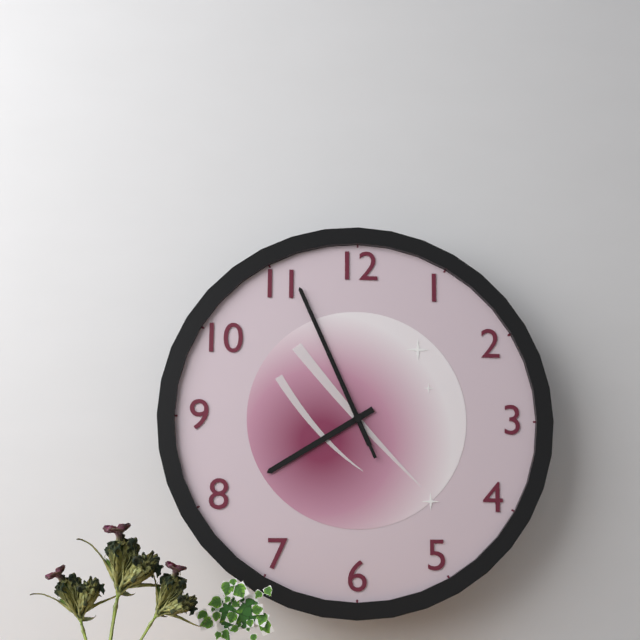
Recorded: h=7 m=56 s=56
